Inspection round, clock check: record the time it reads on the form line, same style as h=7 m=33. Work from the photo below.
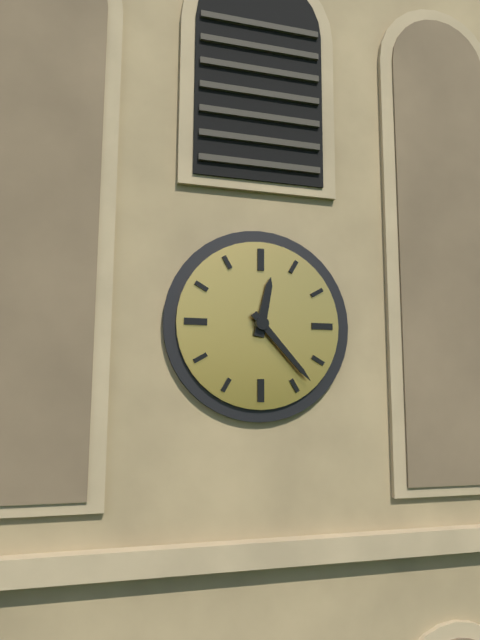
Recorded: h=12 m=23
